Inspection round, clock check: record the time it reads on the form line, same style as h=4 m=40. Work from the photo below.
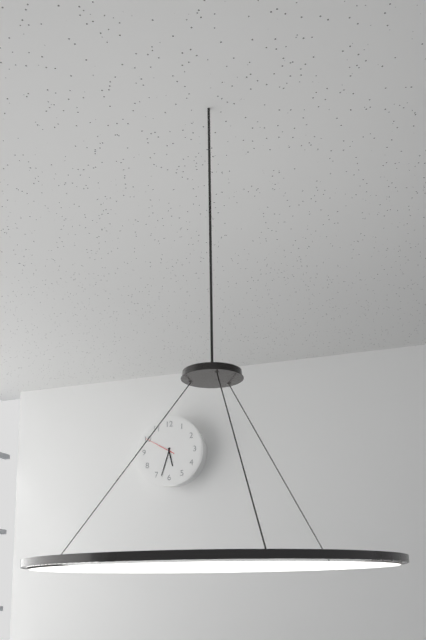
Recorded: h=5 m=33
